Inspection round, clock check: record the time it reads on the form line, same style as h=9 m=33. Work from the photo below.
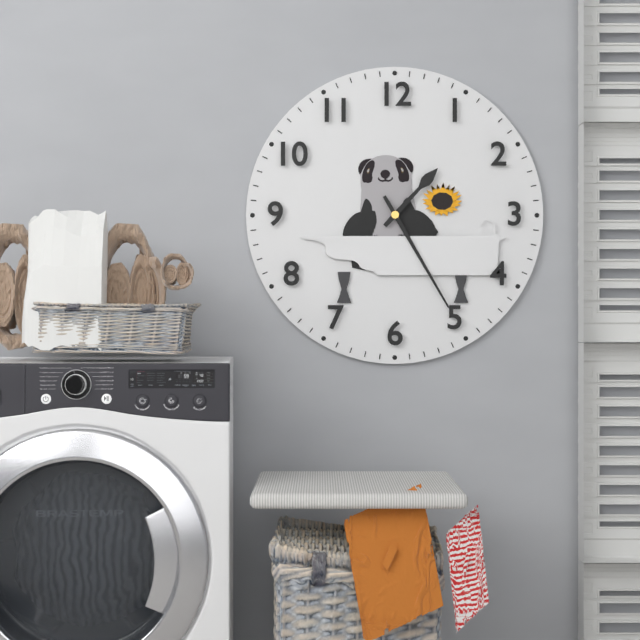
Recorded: h=1 m=25
